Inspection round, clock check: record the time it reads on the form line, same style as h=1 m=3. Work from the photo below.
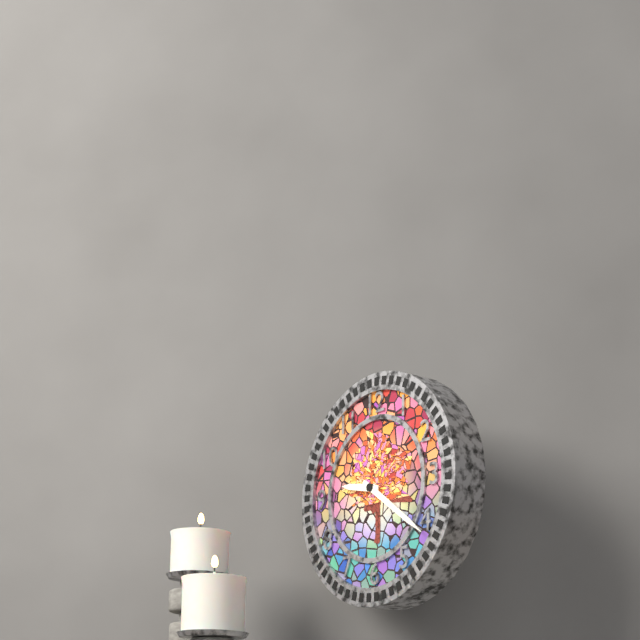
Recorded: h=9 m=21
